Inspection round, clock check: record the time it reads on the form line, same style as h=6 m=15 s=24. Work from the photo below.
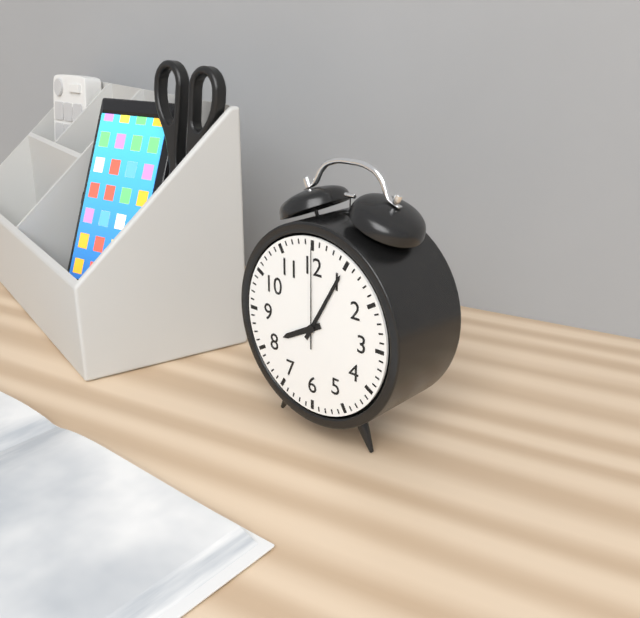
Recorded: h=8 m=5 s=0
